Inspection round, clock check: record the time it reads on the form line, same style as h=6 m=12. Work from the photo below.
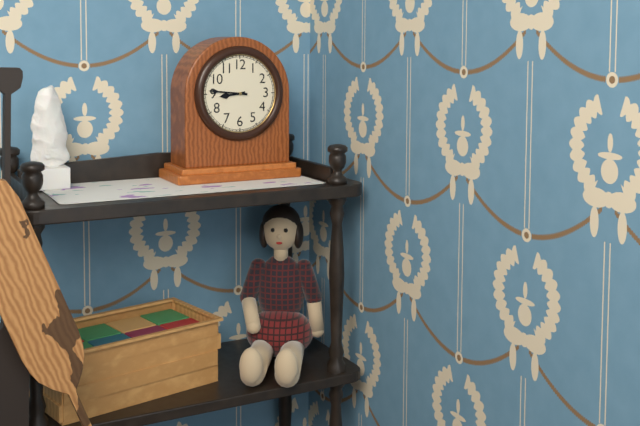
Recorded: h=8 m=46
